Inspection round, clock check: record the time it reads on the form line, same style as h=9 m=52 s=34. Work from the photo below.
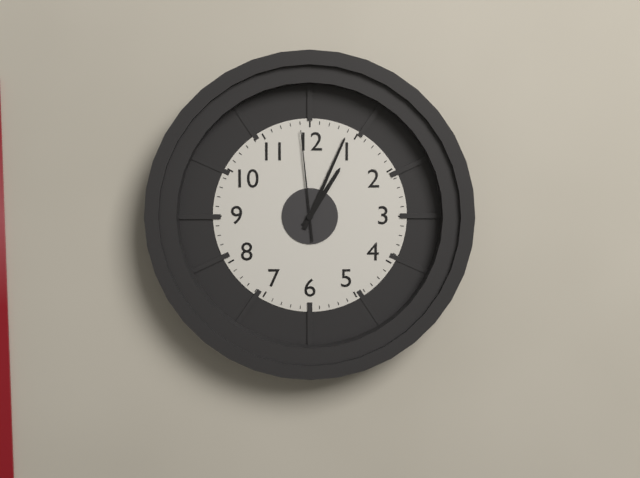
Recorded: h=1 m=4 s=59
